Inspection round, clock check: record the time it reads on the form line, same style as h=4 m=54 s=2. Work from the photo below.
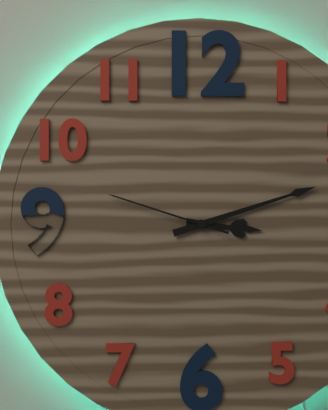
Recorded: h=3 m=12 s=48
